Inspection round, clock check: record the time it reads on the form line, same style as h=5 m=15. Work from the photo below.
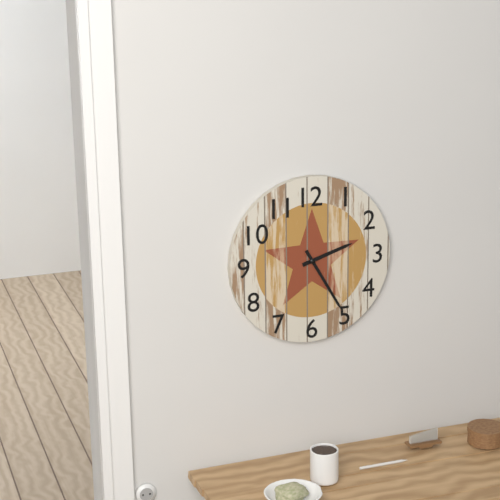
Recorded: h=2 m=25
